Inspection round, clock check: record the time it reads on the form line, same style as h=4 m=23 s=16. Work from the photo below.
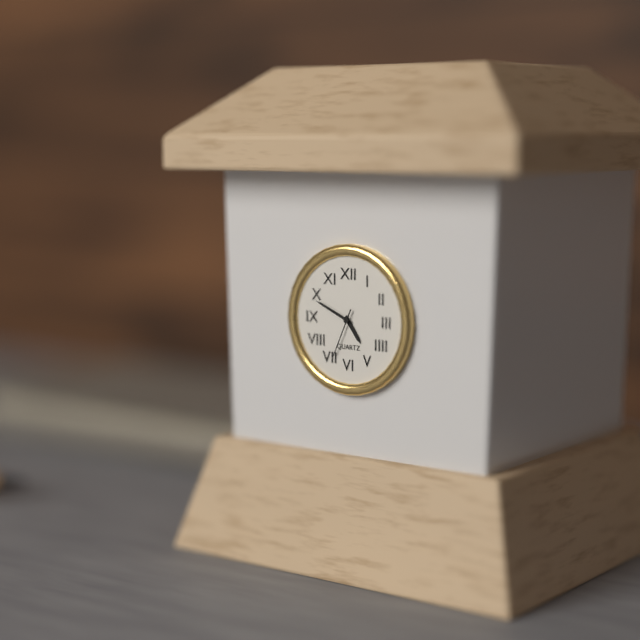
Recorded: h=4 m=49 s=34
